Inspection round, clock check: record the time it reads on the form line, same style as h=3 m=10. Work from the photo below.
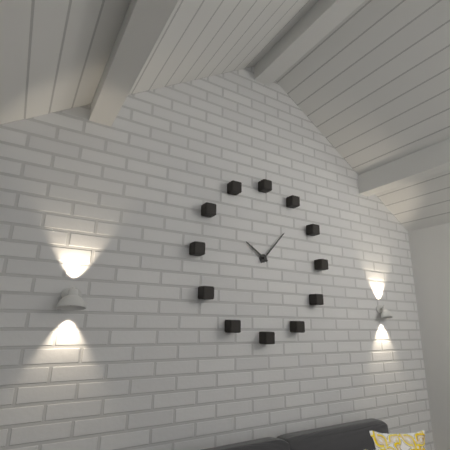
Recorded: h=10 m=7
